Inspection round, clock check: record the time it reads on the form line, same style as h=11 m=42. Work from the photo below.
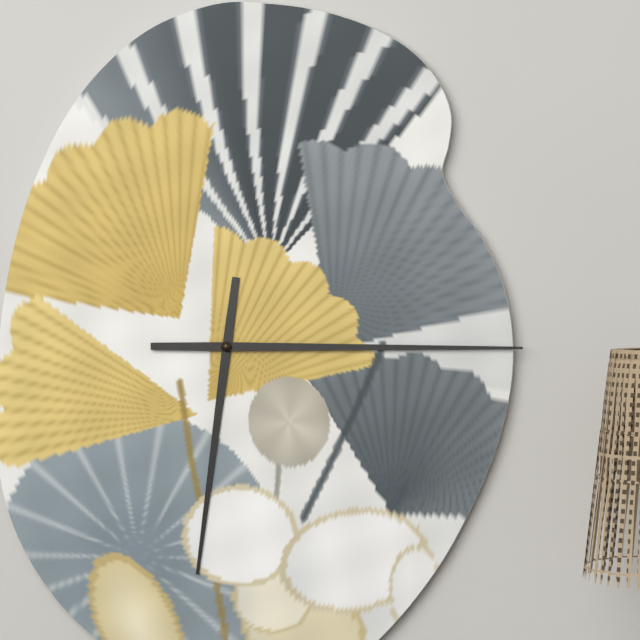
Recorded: h=6 m=15
